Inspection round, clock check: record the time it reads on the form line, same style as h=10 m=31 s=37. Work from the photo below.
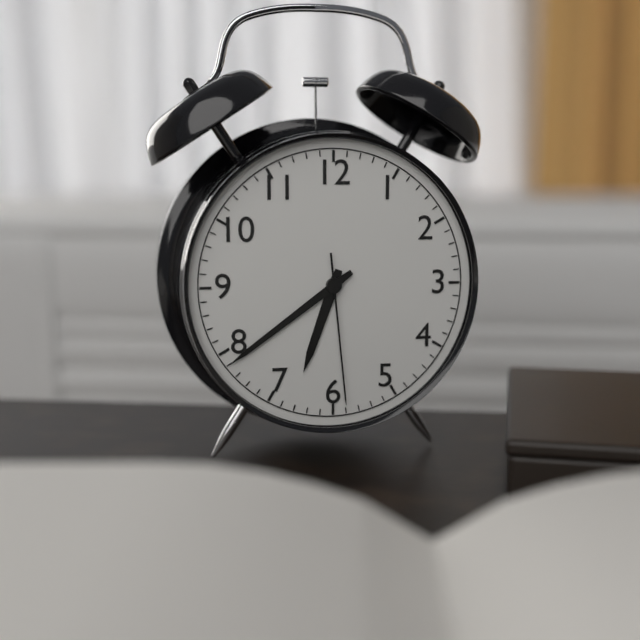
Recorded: h=6 m=39 s=29
